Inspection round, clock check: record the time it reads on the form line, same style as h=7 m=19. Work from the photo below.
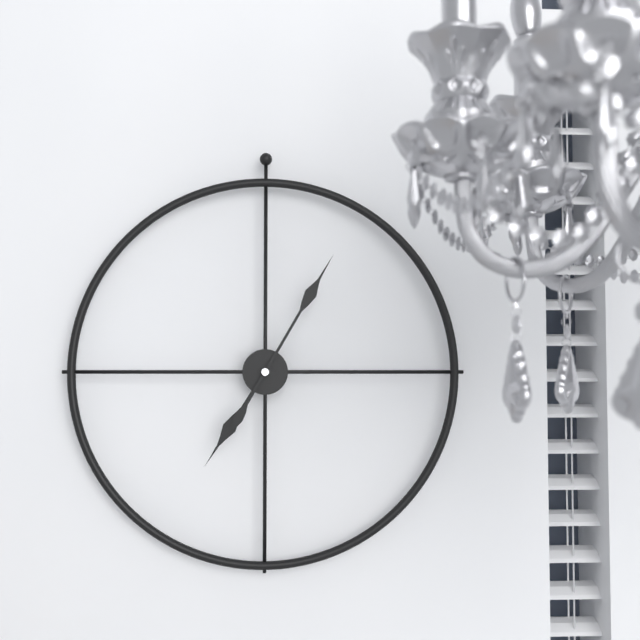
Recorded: h=7 m=5
